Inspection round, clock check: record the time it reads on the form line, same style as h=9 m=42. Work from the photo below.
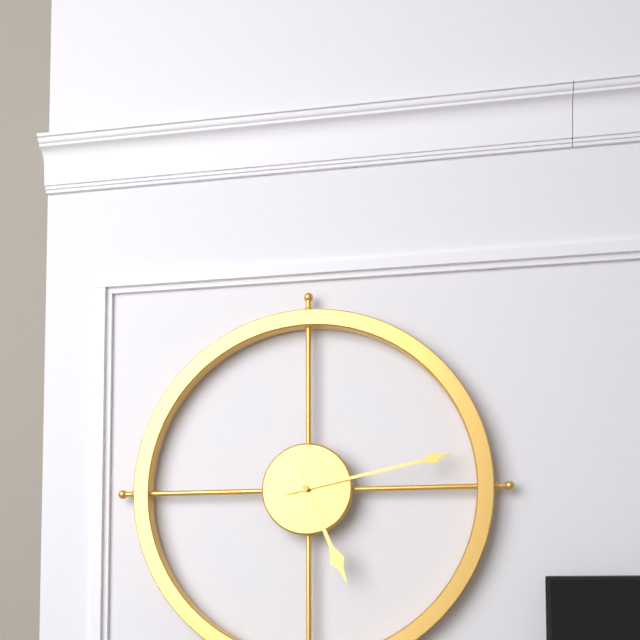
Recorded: h=5 m=13
